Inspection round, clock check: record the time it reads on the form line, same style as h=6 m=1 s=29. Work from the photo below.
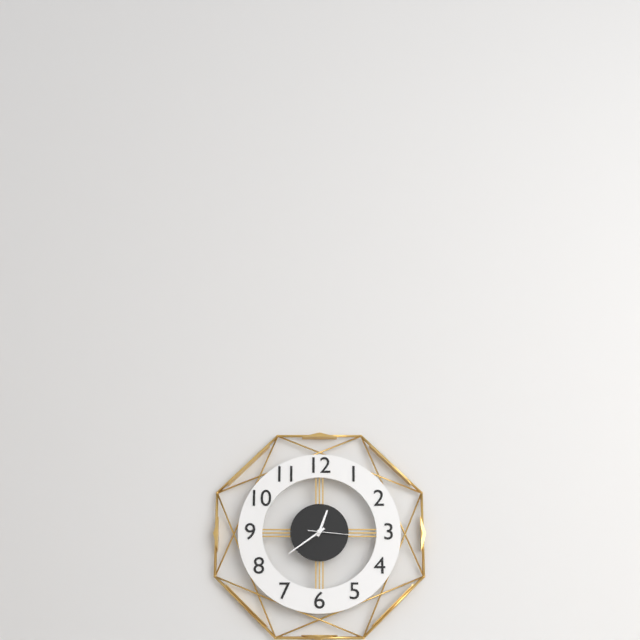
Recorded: h=12 m=39 s=16
